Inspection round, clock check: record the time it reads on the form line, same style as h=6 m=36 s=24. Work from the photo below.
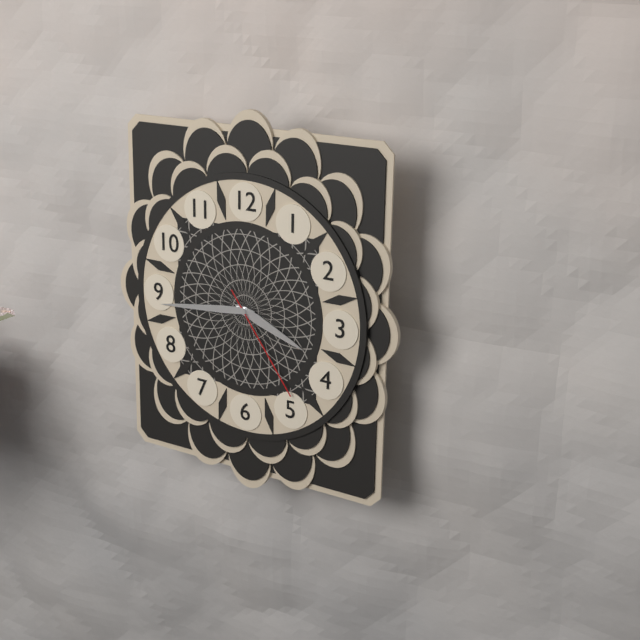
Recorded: h=3 m=44 s=24
